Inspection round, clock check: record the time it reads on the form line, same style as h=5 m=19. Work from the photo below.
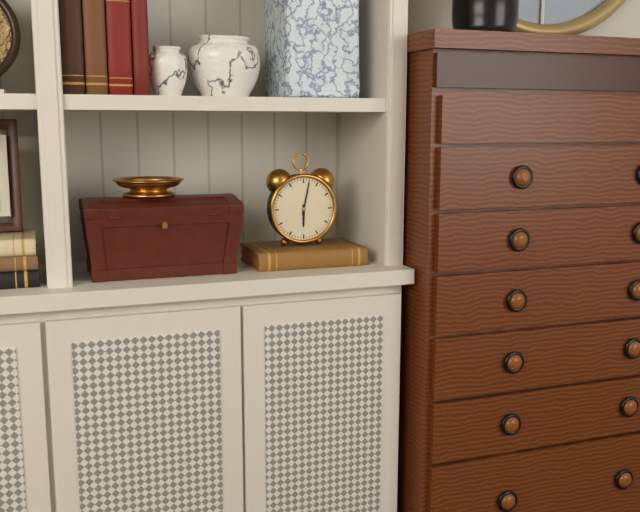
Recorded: h=6 m=2
